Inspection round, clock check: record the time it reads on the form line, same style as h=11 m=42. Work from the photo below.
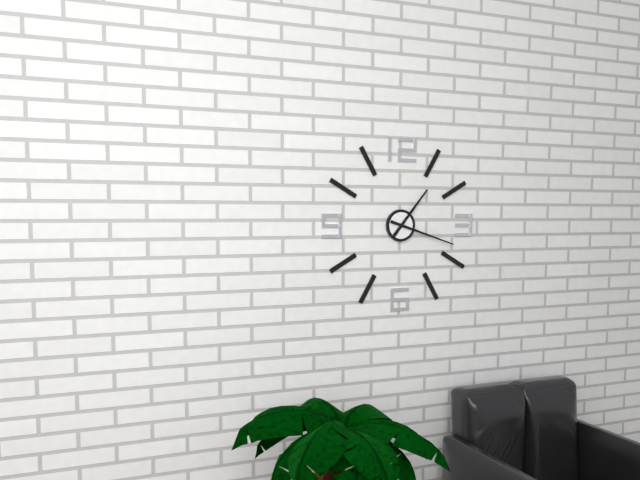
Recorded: h=1 m=18
